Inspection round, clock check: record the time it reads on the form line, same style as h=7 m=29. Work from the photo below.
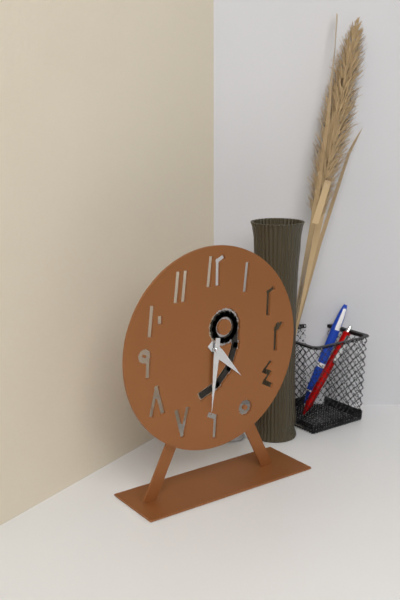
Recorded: h=4 m=31
